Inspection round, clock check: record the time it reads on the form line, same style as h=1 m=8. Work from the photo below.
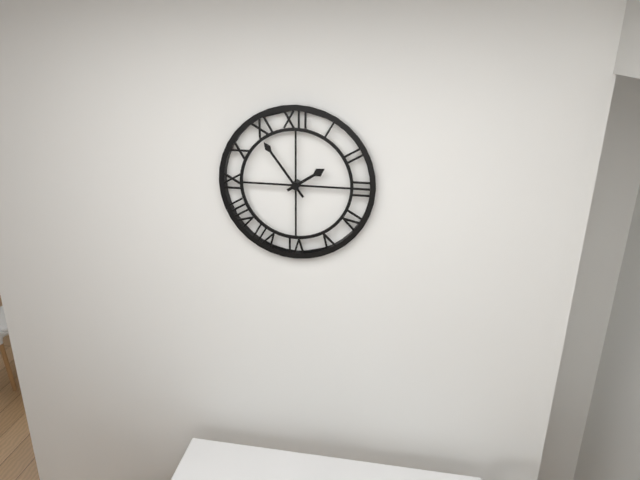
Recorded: h=1 m=54
